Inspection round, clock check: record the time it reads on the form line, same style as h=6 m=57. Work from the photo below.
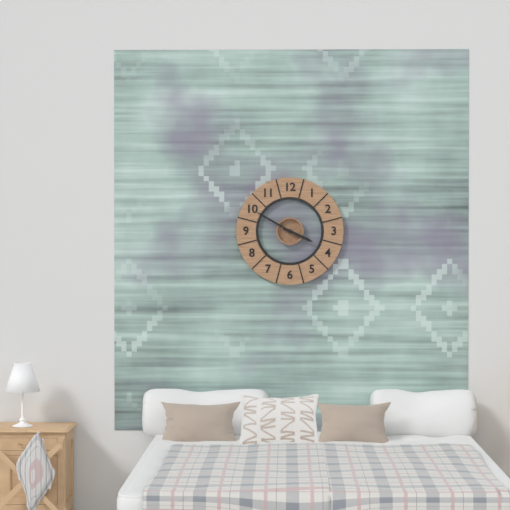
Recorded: h=3 m=50
